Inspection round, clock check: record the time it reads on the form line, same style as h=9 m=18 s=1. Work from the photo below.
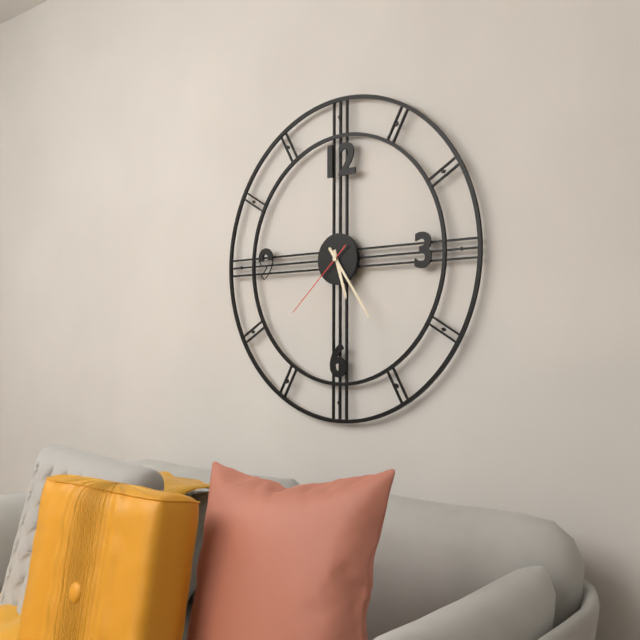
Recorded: h=5 m=24 s=38
